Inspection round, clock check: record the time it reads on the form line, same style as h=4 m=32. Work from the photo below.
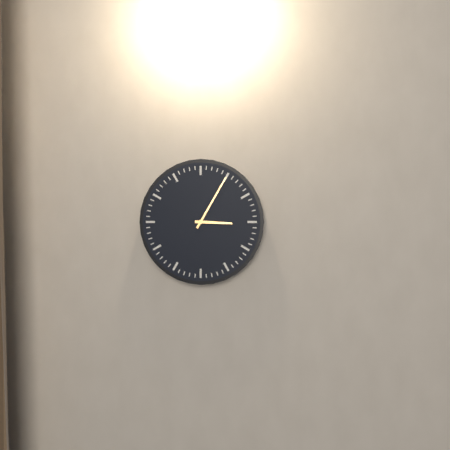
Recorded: h=3 m=5
